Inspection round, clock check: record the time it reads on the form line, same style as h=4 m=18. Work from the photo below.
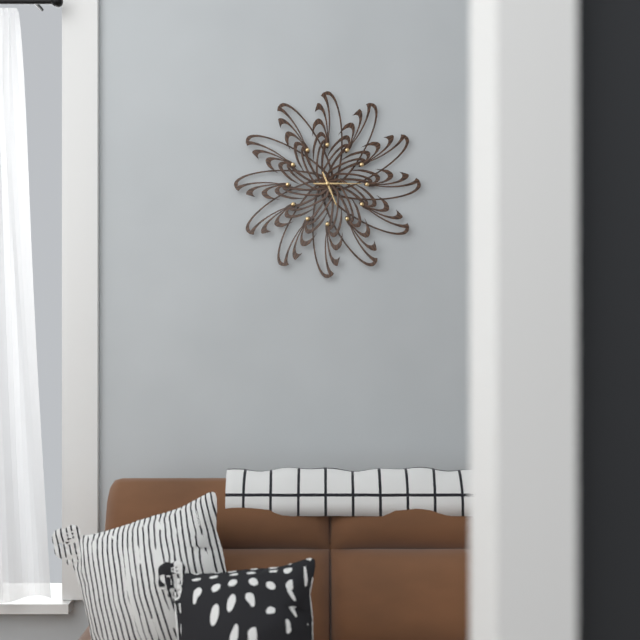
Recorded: h=5 m=15
